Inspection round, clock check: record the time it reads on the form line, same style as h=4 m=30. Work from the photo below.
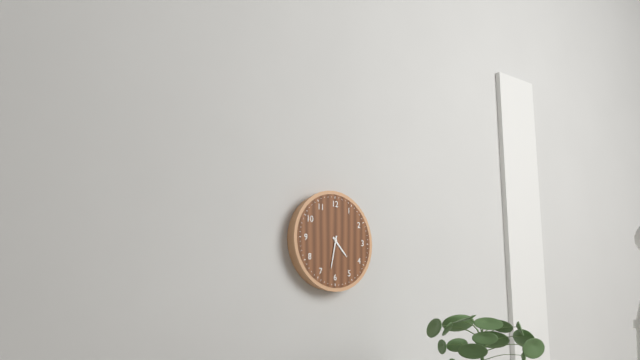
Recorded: h=4 m=32
